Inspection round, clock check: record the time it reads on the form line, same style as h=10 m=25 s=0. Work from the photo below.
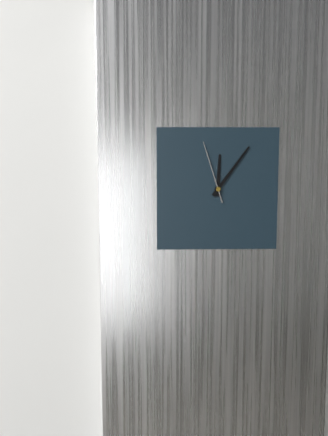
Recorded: h=12 m=6 s=57
